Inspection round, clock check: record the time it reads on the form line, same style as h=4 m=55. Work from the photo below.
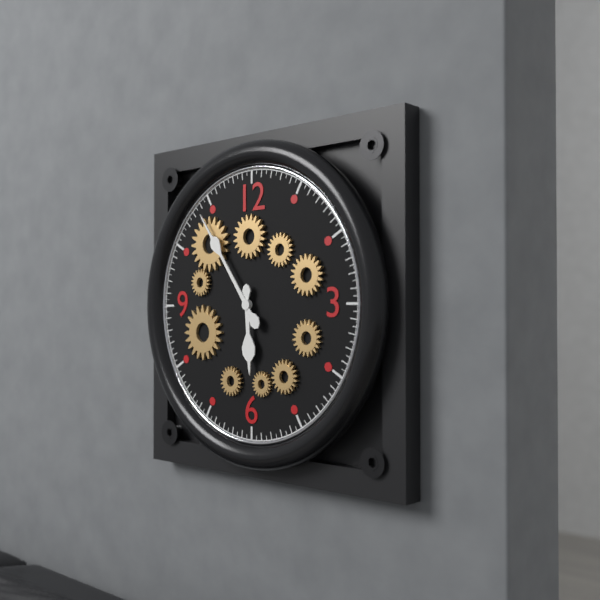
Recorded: h=5 m=54
